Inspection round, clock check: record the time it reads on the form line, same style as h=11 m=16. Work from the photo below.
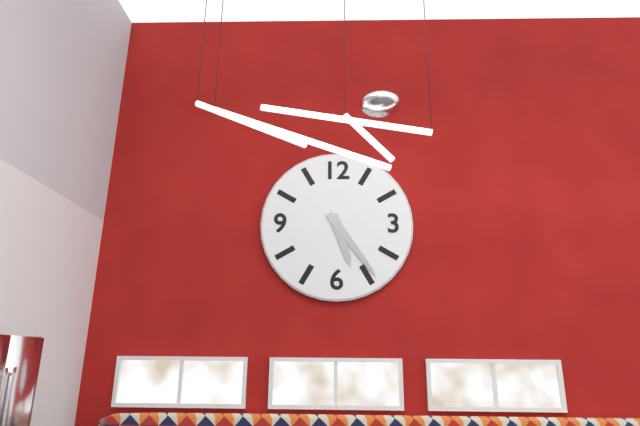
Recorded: h=5 m=24
